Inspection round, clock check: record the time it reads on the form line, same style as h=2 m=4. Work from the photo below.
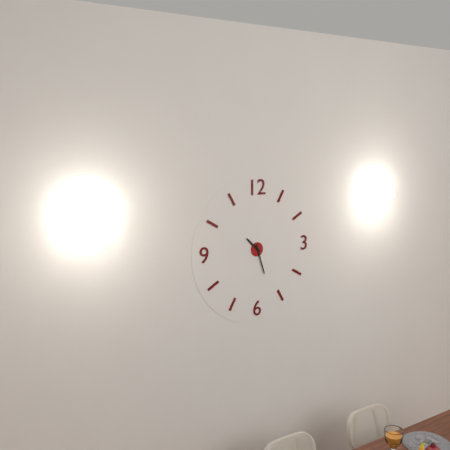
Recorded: h=10 m=27
